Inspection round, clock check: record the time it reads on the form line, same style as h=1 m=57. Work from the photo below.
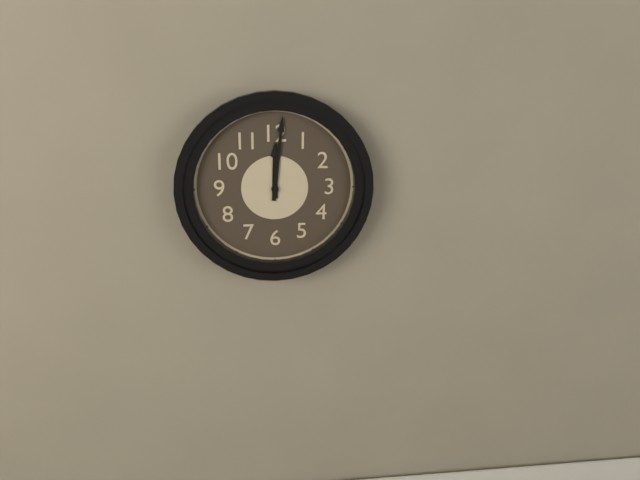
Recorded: h=12 m=1
